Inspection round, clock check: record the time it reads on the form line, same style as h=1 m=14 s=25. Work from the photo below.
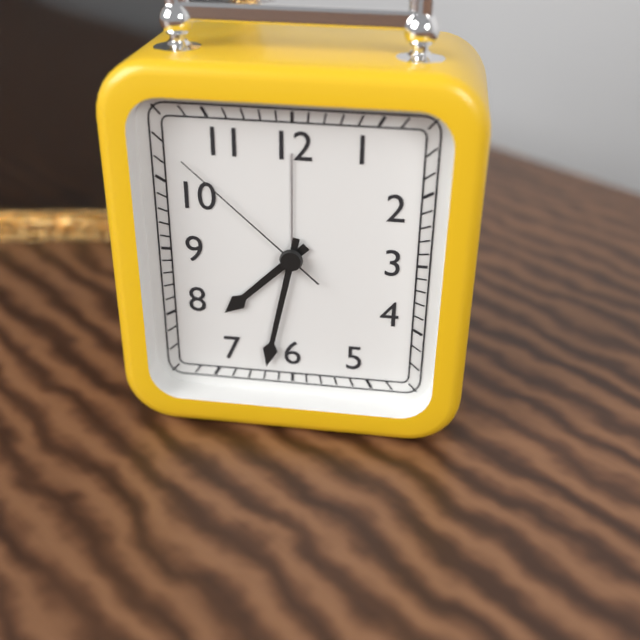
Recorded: h=7 m=32 s=52
